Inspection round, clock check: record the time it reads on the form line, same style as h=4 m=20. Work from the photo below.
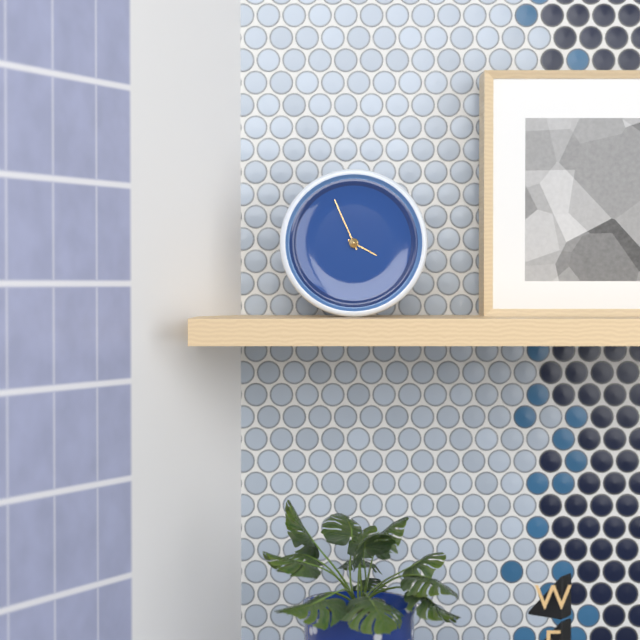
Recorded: h=3 m=56
